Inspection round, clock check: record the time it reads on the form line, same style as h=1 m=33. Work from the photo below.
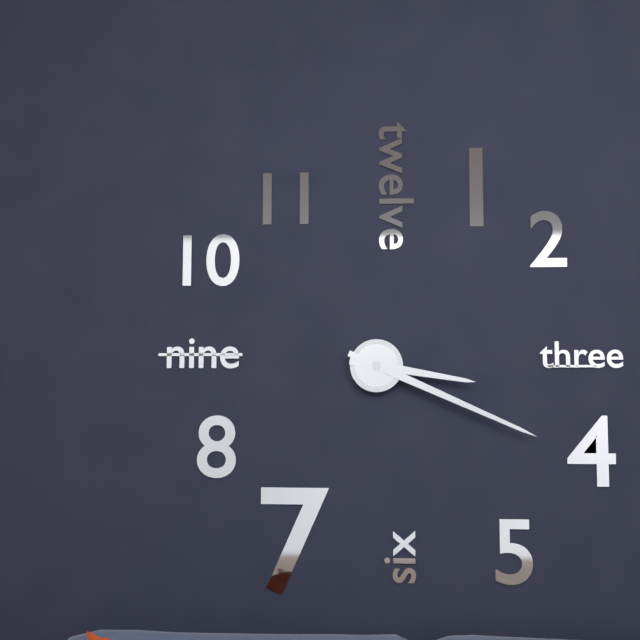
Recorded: h=3 m=19
